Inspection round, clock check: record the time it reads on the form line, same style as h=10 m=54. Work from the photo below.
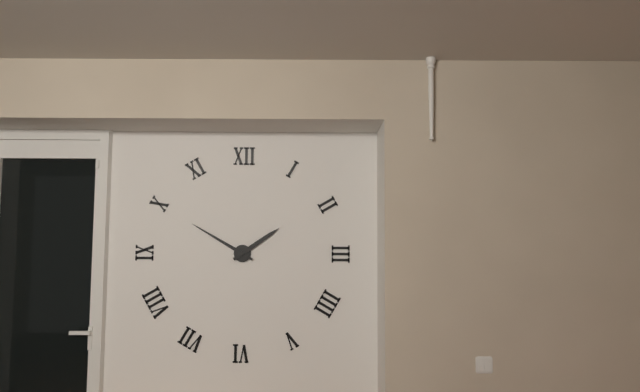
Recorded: h=1 m=50
